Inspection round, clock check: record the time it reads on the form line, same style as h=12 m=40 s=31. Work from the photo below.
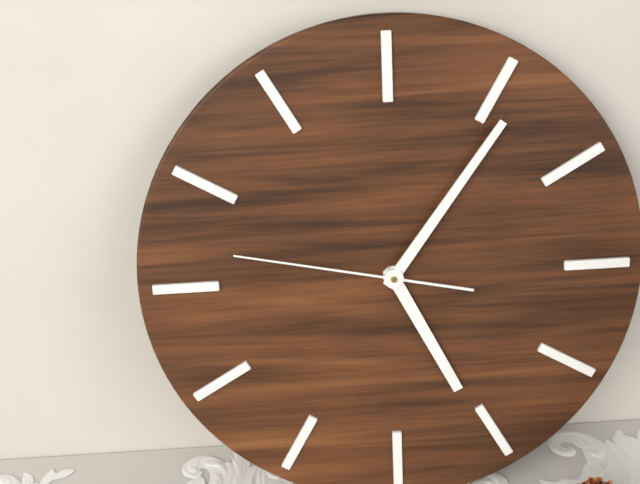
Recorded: h=5 m=6 s=47
